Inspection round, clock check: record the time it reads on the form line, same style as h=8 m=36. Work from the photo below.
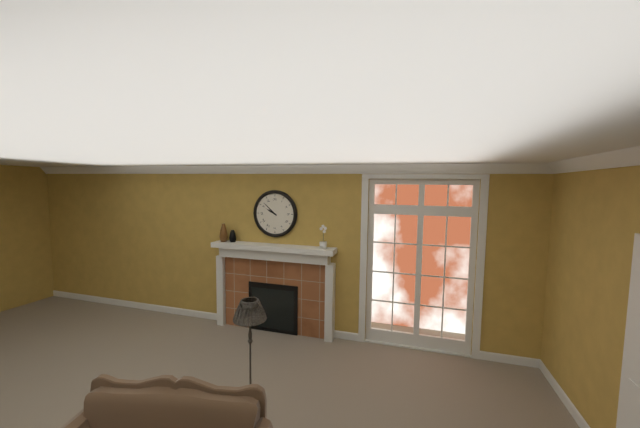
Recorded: h=9 m=52
